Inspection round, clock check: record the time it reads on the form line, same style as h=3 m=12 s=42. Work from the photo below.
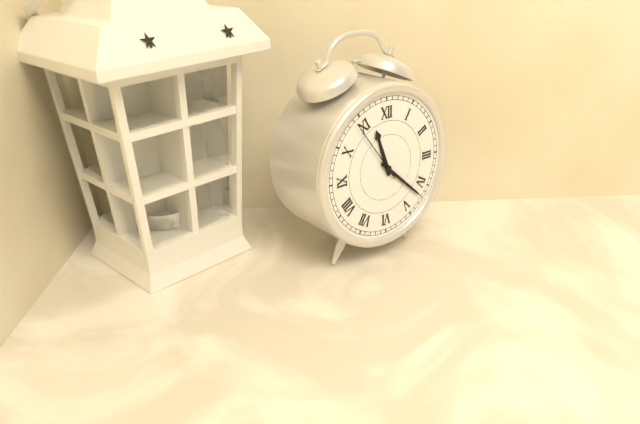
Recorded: h=11 m=22 s=54
